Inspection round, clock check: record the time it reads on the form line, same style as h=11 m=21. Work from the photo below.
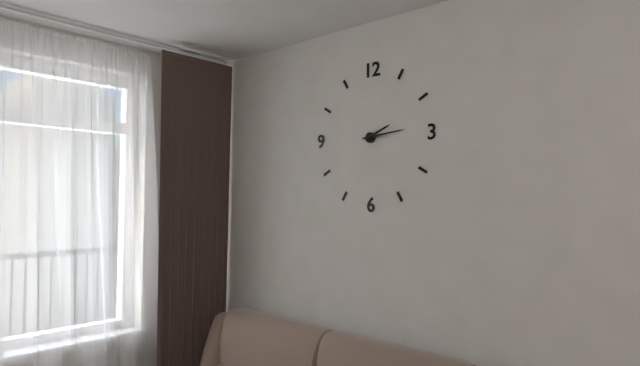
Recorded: h=2 m=14
